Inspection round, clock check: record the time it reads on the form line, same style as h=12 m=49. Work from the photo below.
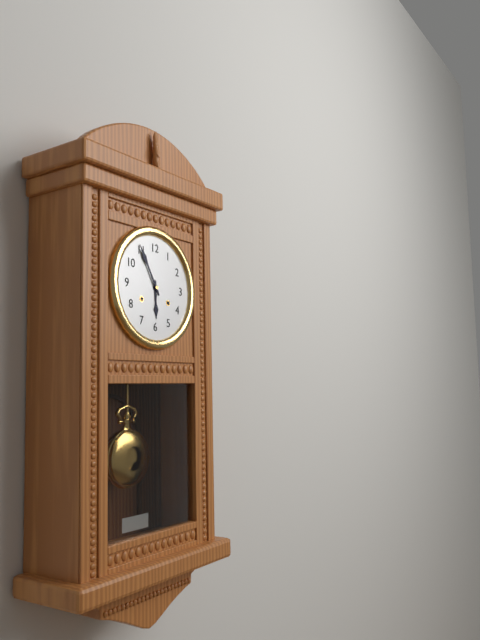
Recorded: h=5 m=55
